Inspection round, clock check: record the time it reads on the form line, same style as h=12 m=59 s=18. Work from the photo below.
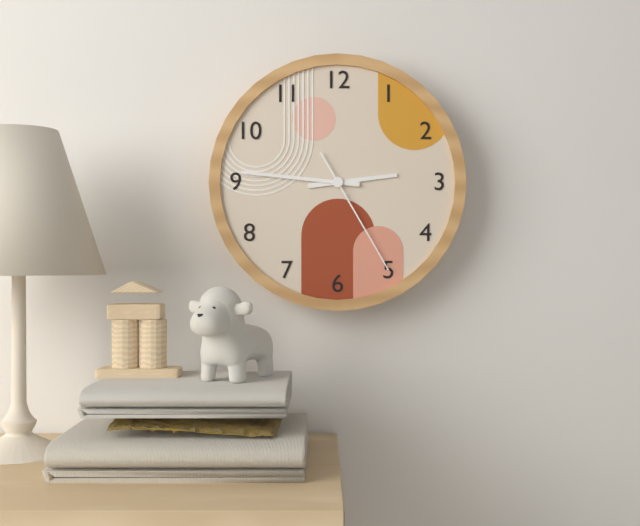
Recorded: h=2 m=46 s=25
